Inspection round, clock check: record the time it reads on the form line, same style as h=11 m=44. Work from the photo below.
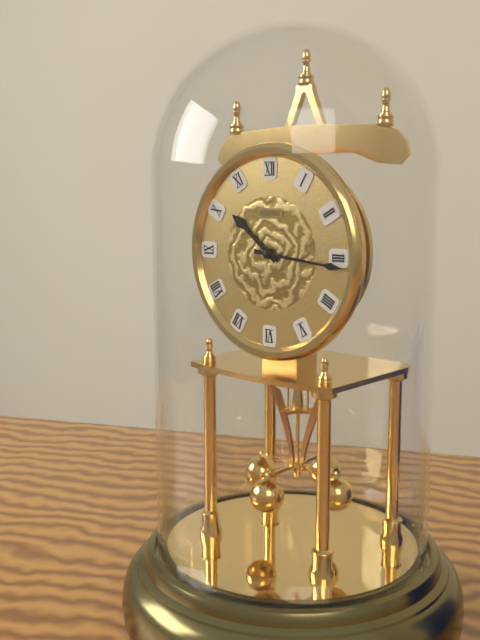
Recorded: h=10 m=16
